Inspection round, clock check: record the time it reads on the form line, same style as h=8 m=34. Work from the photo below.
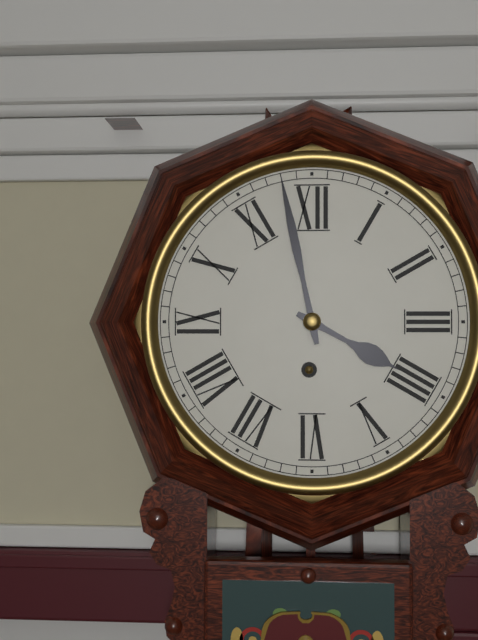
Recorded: h=3 m=58
